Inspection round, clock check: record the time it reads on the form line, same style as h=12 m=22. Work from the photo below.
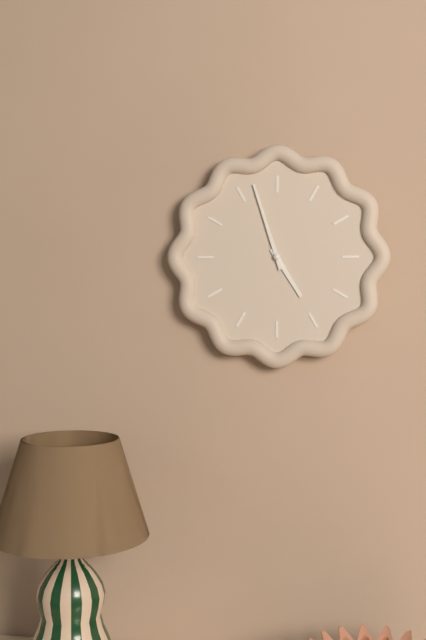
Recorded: h=4 m=57
